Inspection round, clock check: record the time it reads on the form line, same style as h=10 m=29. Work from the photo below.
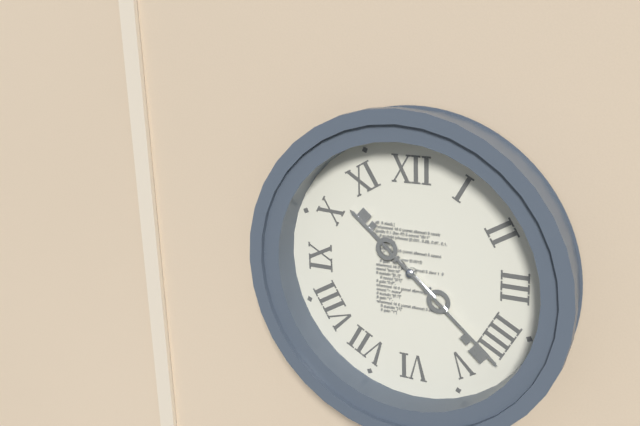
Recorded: h=10 m=22
